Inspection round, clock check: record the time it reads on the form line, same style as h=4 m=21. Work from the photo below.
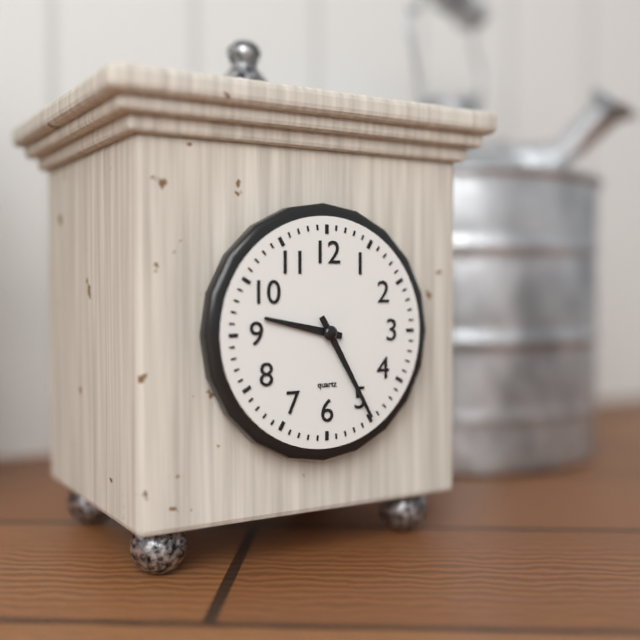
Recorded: h=9 m=25
